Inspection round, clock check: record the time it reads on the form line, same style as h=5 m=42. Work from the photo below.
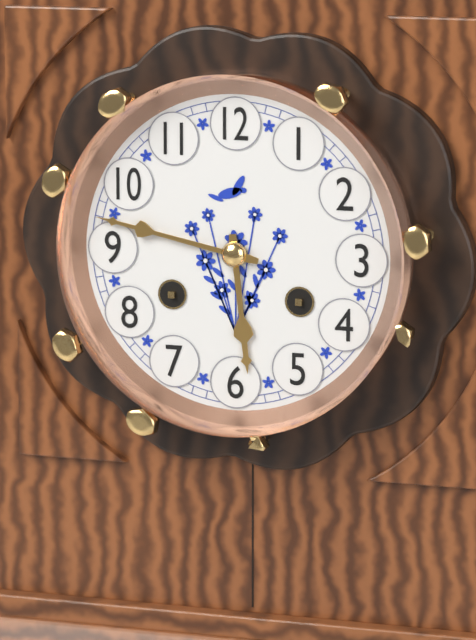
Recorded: h=5 m=47
